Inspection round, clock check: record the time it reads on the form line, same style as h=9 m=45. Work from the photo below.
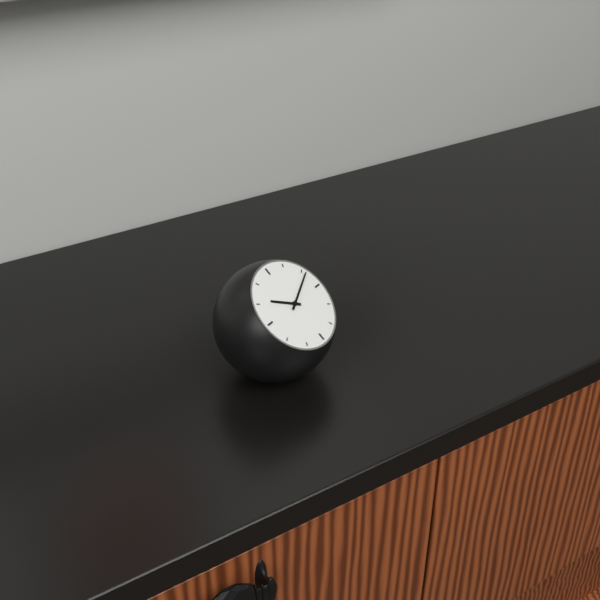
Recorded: h=10 m=11
